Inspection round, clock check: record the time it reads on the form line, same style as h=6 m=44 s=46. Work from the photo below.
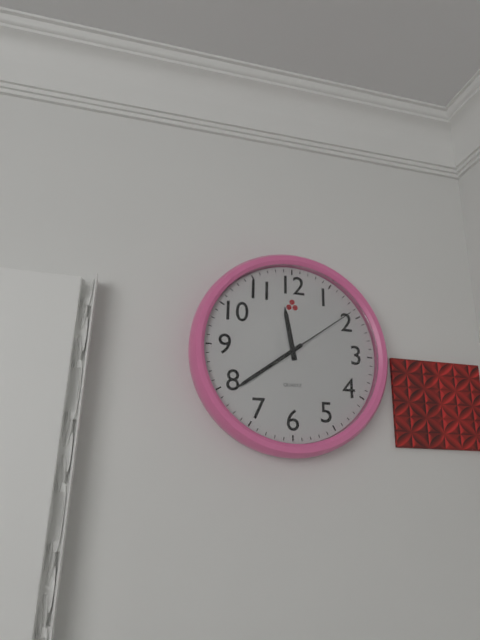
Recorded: h=11 m=39 s=9
